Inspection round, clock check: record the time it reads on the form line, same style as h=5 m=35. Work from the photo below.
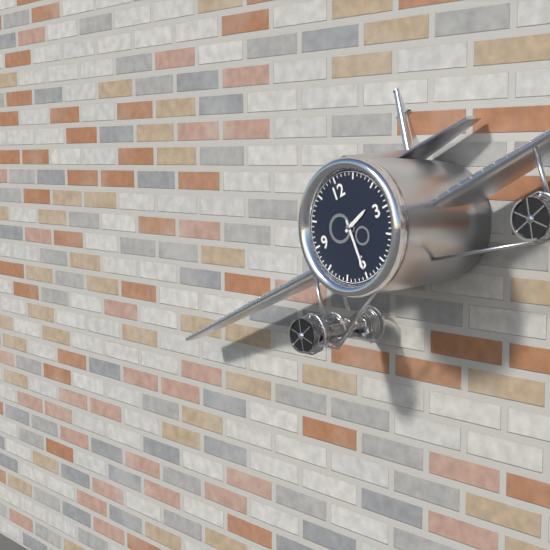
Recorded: h=2 m=30
